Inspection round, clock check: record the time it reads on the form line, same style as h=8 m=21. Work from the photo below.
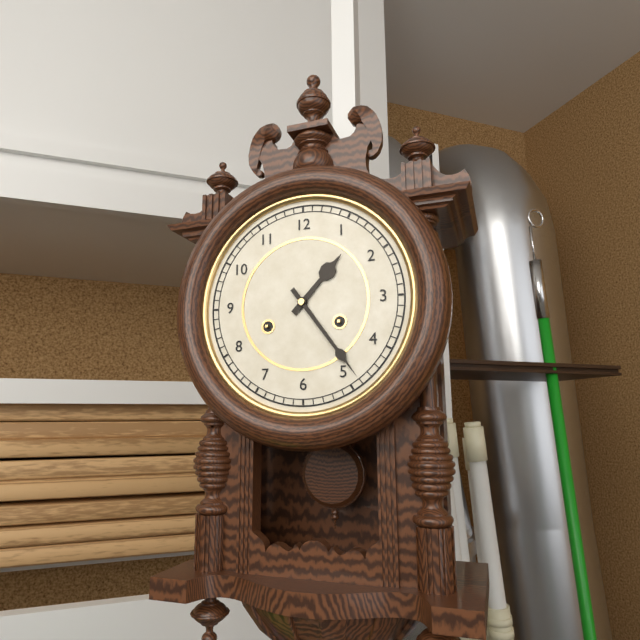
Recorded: h=1 m=24
